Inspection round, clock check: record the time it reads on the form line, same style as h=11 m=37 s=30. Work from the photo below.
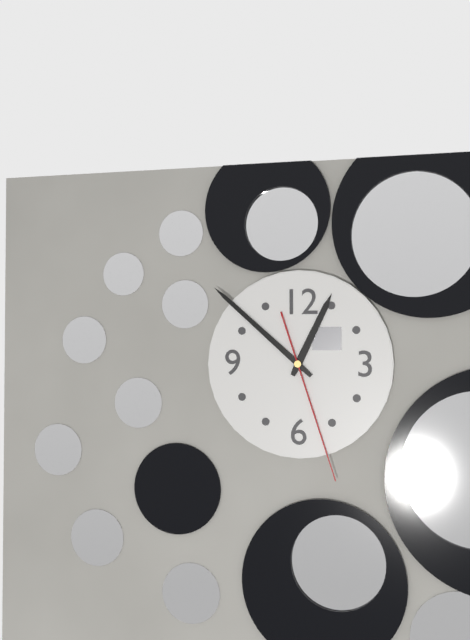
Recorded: h=12 m=52 s=27
